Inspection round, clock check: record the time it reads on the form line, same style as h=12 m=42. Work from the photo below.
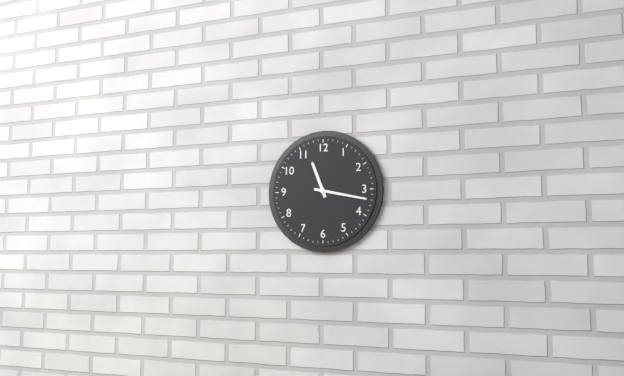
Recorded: h=11 m=17
